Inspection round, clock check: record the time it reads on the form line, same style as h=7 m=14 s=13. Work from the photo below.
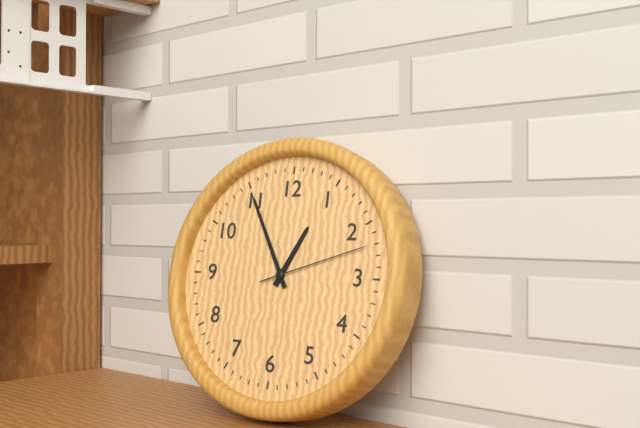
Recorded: h=12 m=55 s=12
